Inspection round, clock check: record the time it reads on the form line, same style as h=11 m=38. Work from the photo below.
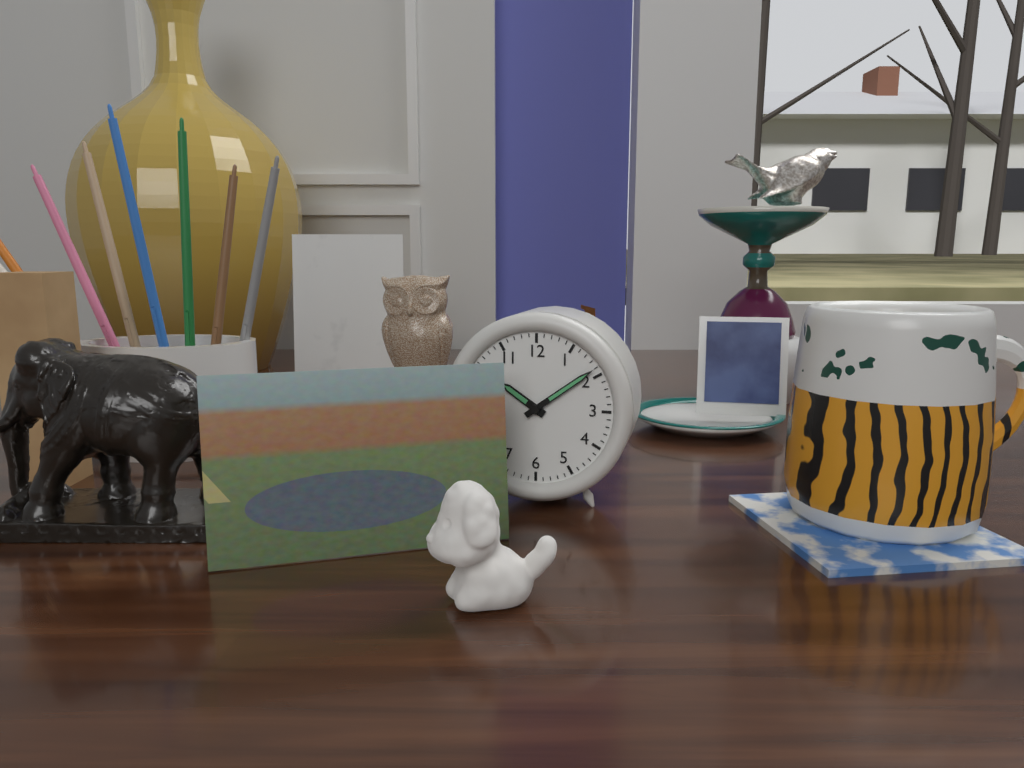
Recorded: h=10 m=9
